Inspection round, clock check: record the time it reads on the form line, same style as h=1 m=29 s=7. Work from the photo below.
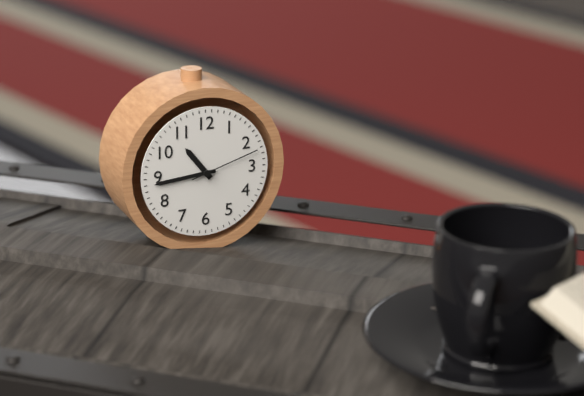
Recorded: h=10 m=44 s=12
